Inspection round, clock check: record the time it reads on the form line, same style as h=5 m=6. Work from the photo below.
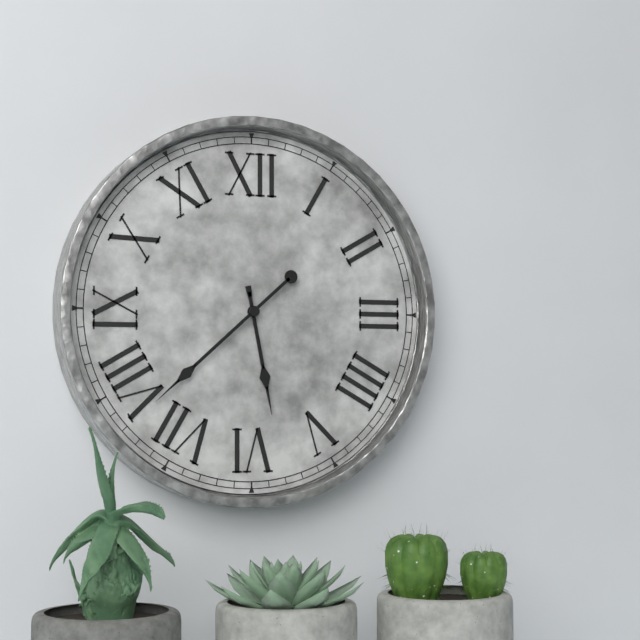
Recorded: h=5 m=38
